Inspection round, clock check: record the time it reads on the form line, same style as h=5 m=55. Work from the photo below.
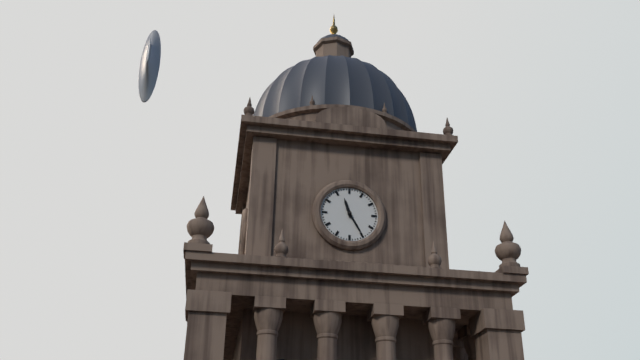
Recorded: h=11 m=25
